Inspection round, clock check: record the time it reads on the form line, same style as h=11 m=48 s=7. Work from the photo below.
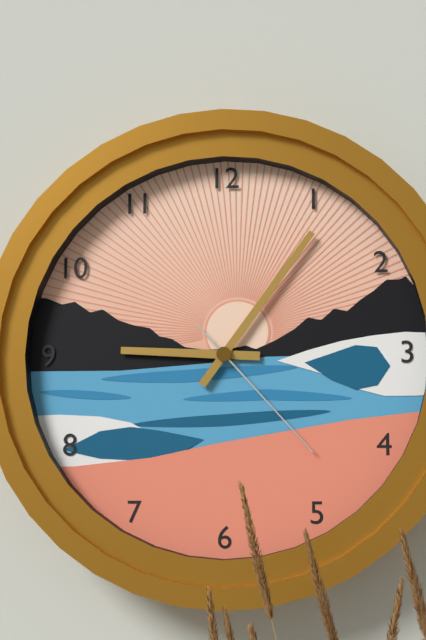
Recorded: h=9 m=6 s=23
